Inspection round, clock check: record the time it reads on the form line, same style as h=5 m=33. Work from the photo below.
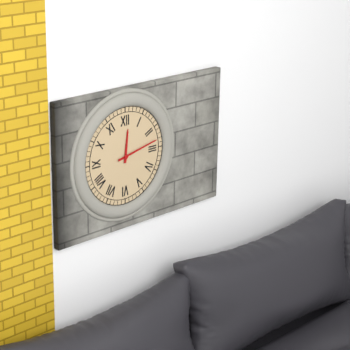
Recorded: h=12 m=13
